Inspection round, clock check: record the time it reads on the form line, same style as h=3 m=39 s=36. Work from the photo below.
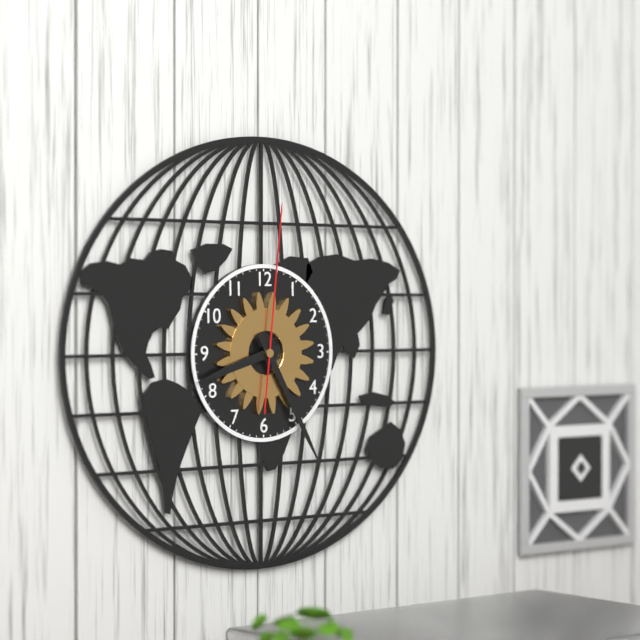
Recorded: h=8 m=25 s=1
